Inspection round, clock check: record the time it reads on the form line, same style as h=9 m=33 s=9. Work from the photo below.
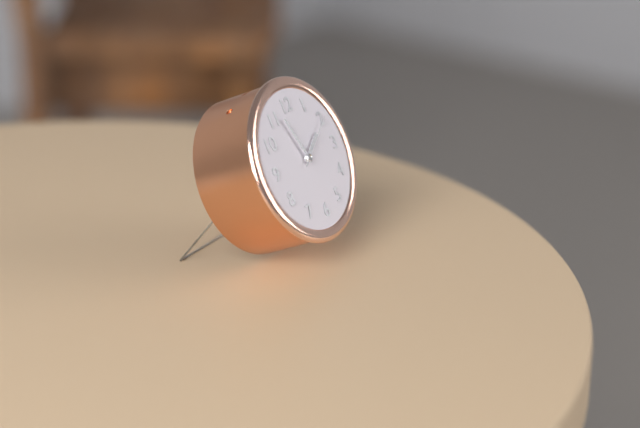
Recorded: h=1 m=57 s=10
